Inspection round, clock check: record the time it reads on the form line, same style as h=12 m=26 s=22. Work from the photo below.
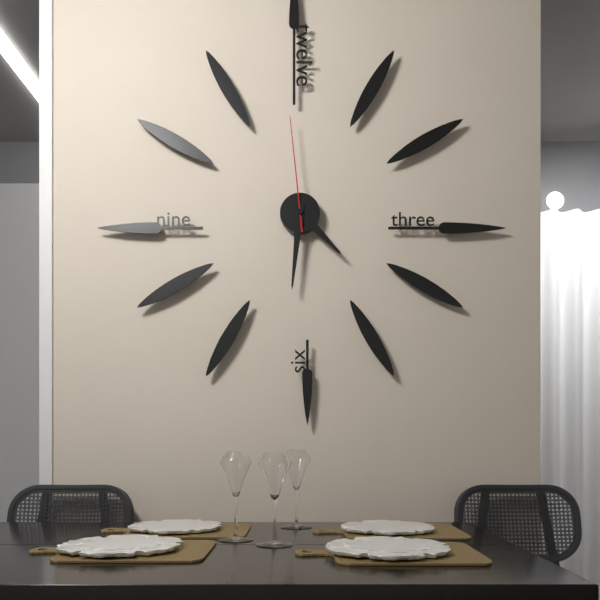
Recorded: h=4 m=31 s=59
